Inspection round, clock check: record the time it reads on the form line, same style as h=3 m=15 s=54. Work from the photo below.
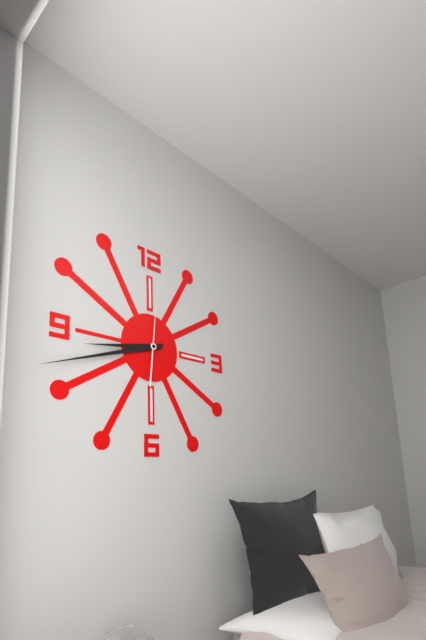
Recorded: h=8 m=42 s=1
